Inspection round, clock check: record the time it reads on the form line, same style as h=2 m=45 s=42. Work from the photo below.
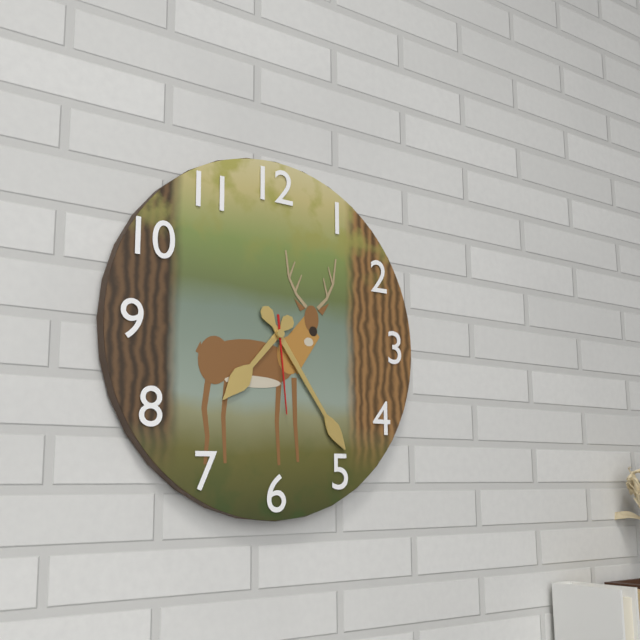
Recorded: h=7 m=24 s=29
